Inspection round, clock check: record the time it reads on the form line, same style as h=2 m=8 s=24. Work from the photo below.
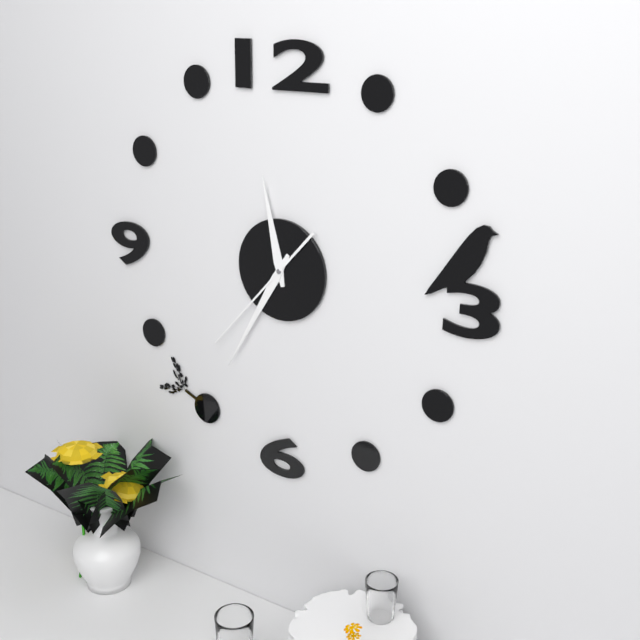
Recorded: h=11 m=35 s=37
